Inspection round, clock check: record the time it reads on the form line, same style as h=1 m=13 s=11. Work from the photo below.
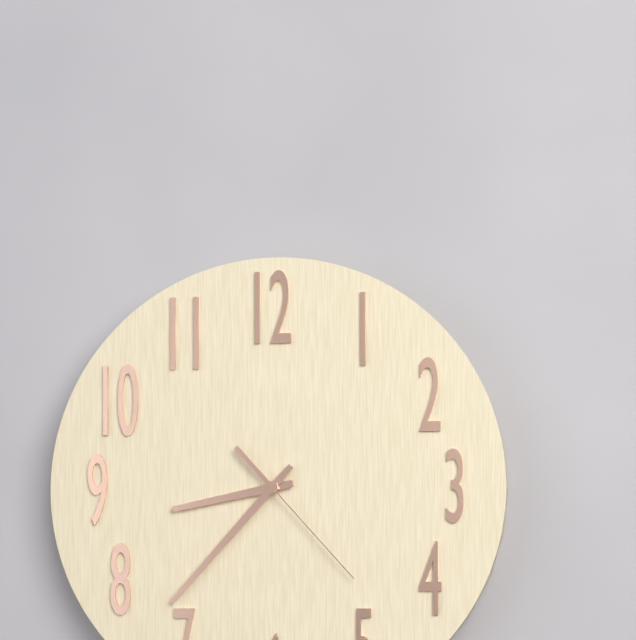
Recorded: h=8 m=37 s=23
